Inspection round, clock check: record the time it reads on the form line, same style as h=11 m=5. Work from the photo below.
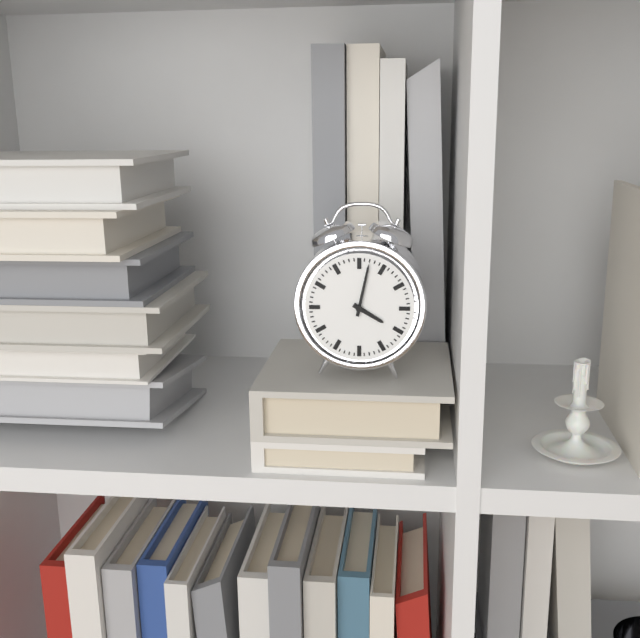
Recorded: h=4 m=2
